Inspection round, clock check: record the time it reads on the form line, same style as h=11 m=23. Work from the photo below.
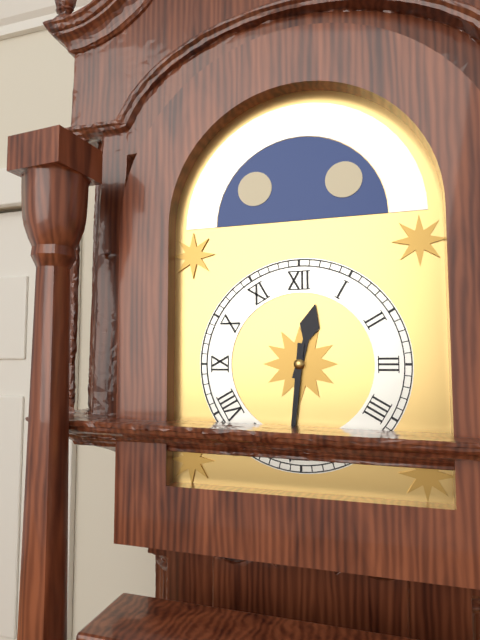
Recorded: h=12 m=31
